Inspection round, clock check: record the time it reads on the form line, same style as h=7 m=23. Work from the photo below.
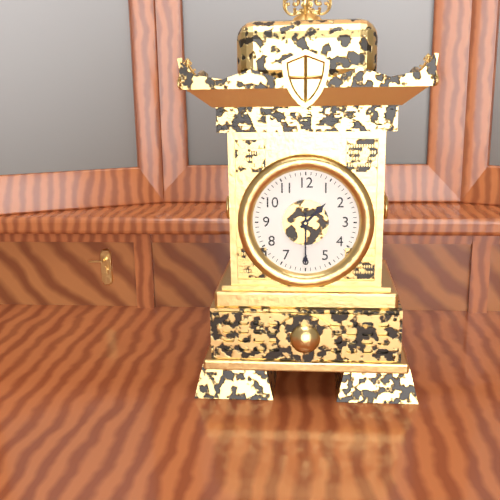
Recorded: h=1 m=30
